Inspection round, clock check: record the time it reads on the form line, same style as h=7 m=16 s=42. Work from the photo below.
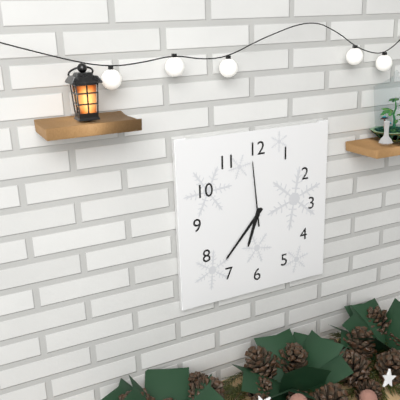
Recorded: h=6 m=37 s=59
